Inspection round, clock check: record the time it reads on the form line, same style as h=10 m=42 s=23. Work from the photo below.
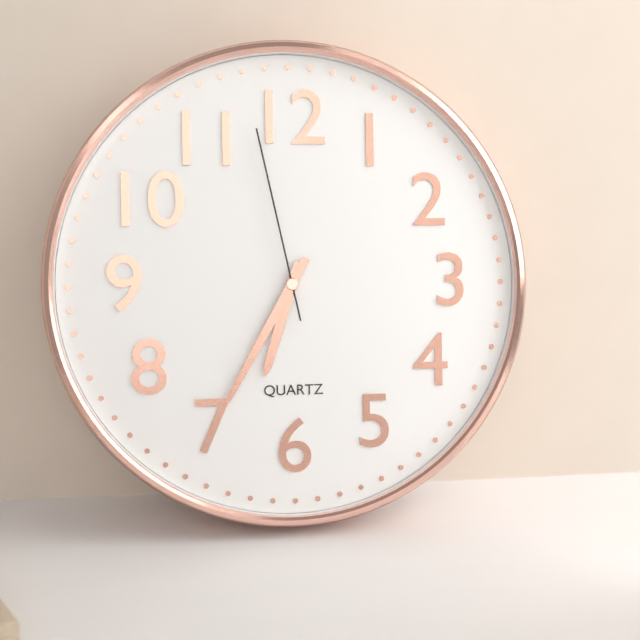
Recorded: h=6 m=35 s=58
